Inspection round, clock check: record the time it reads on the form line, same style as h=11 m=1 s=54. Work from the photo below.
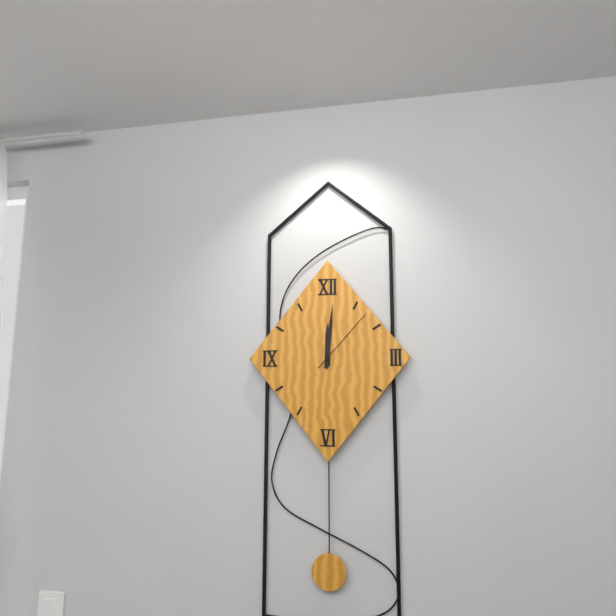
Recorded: h=12 m=1 s=7
